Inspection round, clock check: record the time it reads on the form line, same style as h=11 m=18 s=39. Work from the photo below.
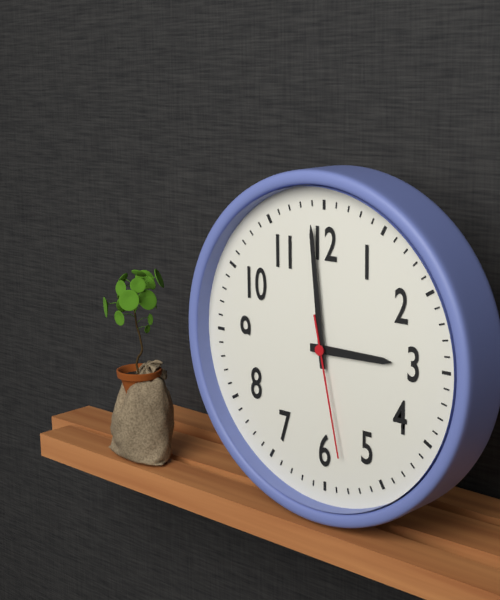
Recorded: h=2 m=59 s=28
